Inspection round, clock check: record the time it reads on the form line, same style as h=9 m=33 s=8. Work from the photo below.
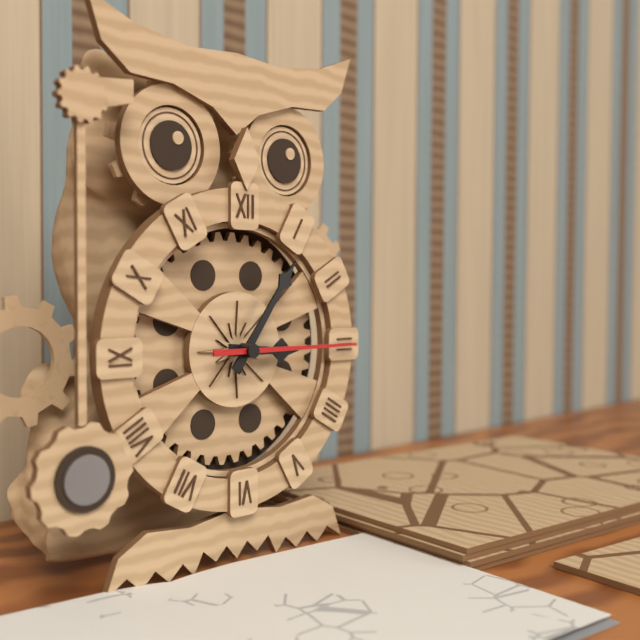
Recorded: h=3 m=6 s=15
